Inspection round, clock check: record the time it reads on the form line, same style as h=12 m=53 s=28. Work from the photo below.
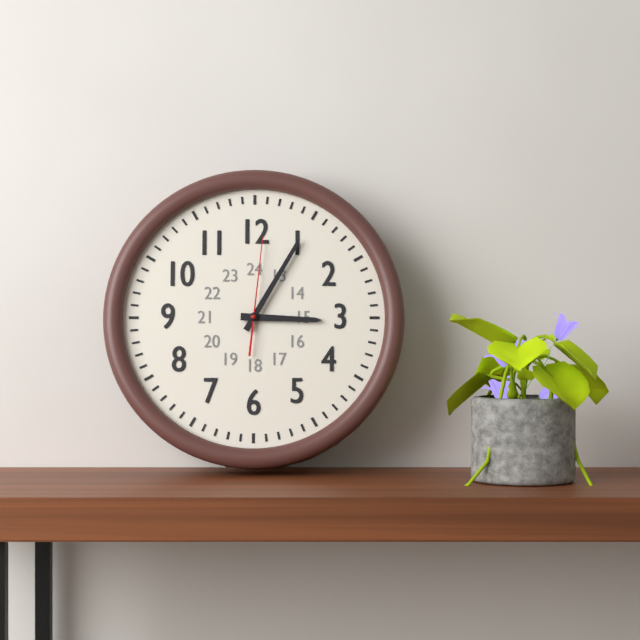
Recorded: h=3 m=5 s=1
